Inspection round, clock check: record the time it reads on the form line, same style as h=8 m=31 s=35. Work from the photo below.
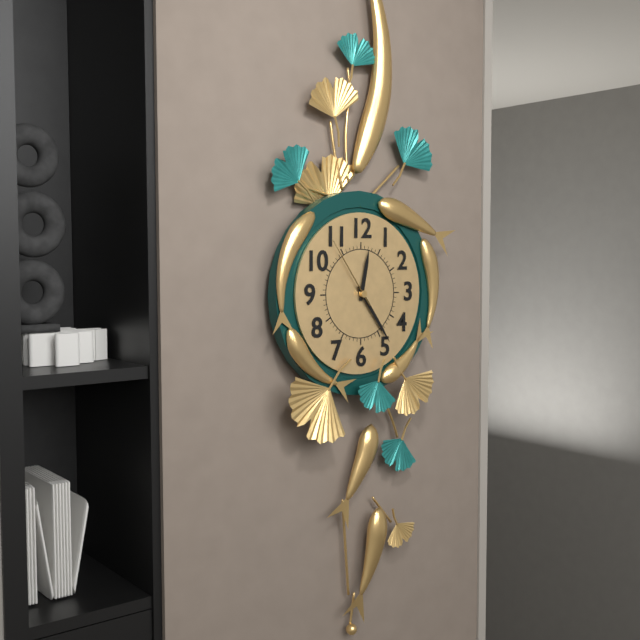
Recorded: h=12 m=24 s=54
